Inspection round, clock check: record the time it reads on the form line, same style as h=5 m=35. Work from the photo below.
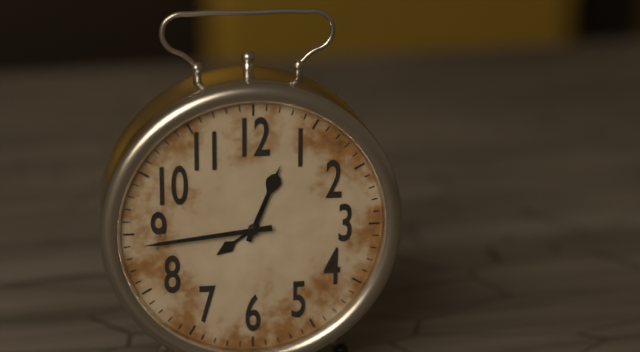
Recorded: h=12 m=44
